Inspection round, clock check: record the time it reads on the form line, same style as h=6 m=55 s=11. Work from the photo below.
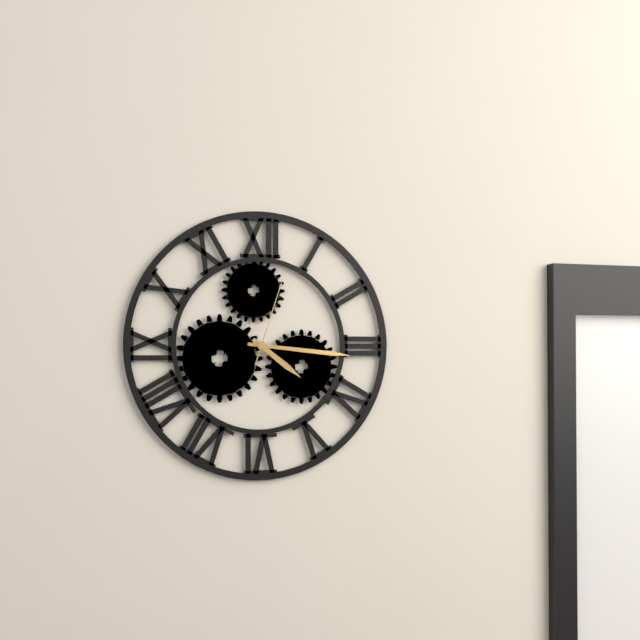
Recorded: h=4 m=16 s=3
